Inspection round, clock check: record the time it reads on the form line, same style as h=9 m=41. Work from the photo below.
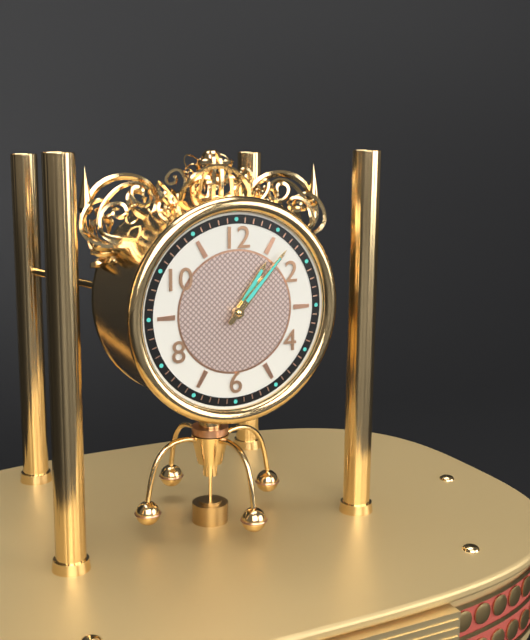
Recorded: h=1 m=7
